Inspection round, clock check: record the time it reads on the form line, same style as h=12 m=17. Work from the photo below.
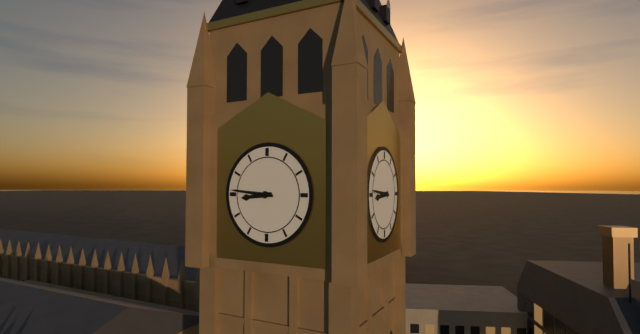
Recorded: h=8 m=46
